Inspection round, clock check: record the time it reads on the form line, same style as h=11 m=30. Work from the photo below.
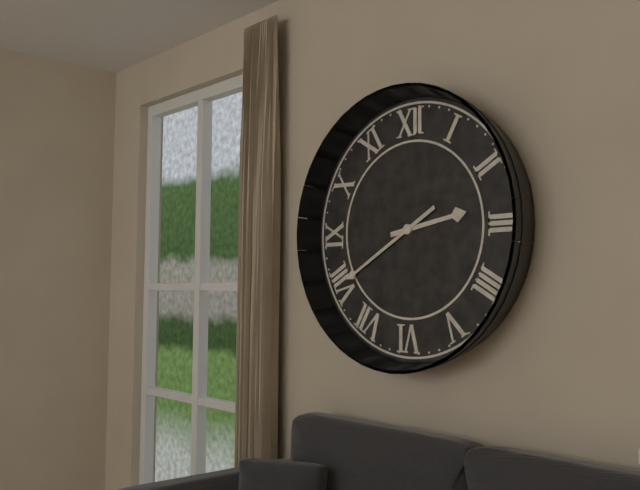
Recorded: h=2 m=40
